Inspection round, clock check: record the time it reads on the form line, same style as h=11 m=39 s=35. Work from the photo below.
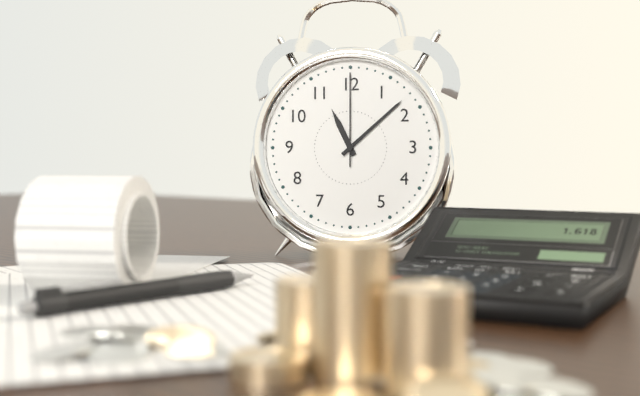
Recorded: h=11 m=8 s=0
